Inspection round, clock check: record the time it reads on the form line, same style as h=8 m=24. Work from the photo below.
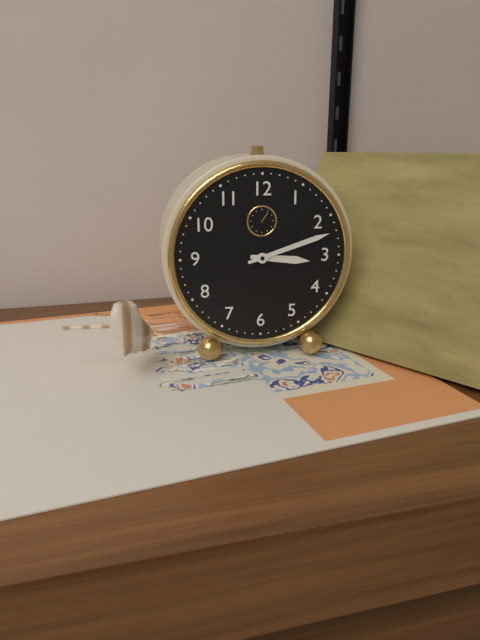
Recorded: h=3 m=12
